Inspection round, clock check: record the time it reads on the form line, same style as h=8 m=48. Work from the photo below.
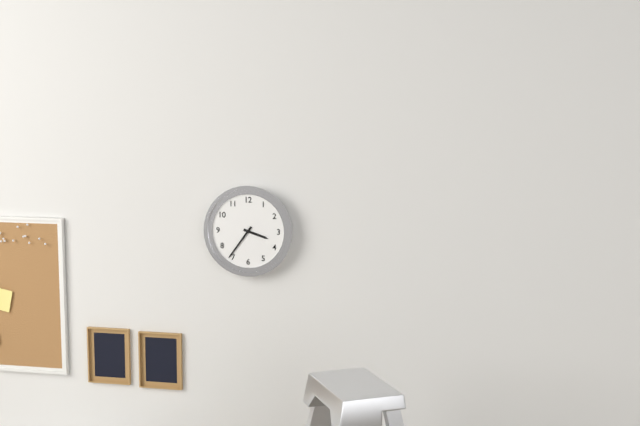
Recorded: h=3 m=36
